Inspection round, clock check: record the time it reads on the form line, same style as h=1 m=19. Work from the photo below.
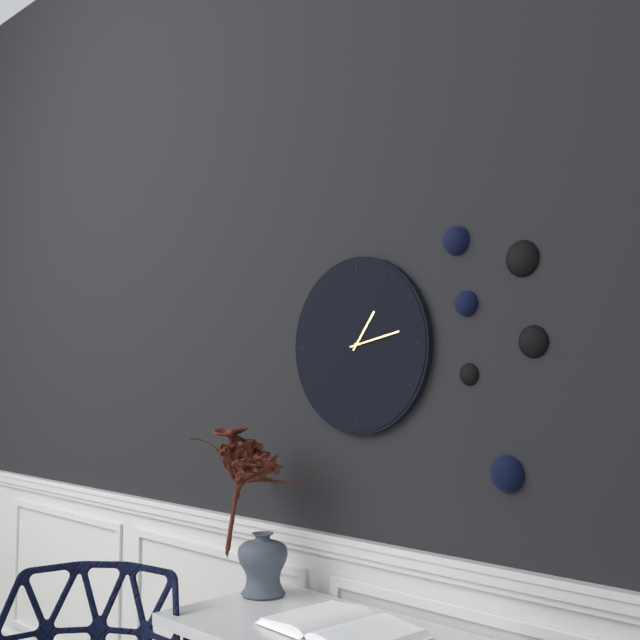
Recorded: h=1 m=13
